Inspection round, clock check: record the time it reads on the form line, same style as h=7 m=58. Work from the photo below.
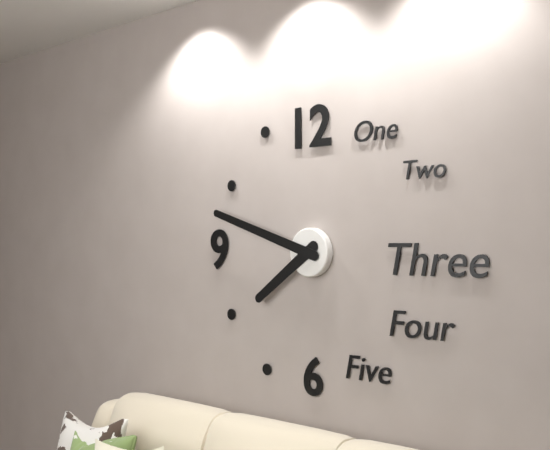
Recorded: h=7 m=48
